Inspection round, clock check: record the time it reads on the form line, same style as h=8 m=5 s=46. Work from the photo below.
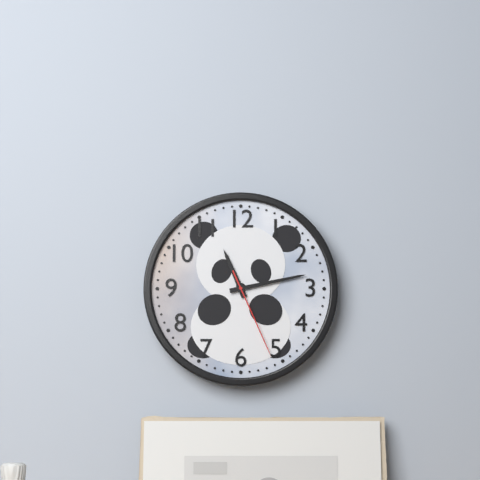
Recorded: h=11 m=13 s=26
